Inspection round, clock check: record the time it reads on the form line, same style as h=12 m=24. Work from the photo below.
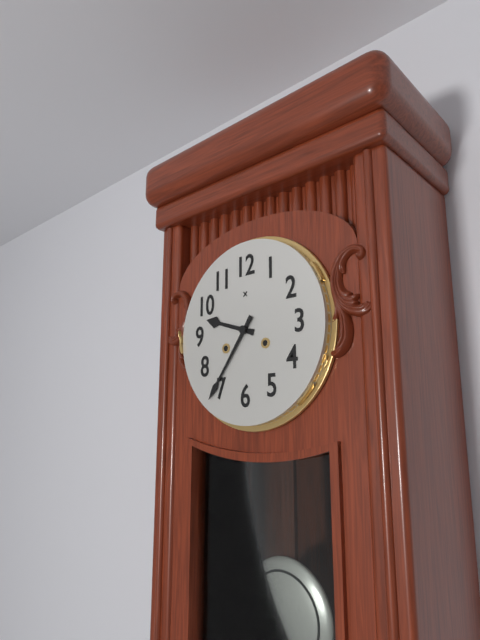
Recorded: h=9 m=36
